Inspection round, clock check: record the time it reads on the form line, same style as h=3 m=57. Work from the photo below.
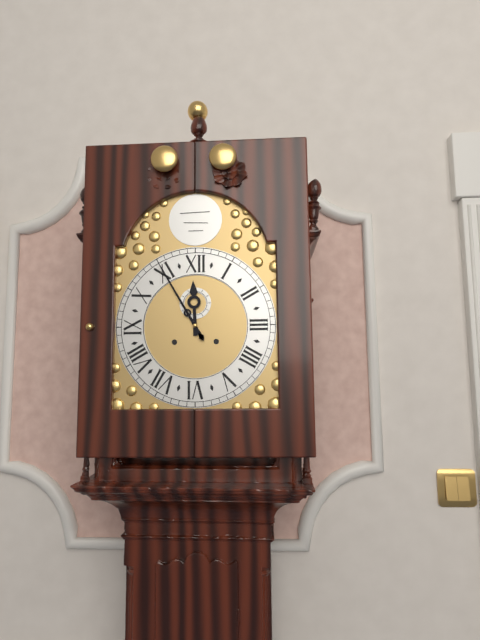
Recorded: h=11 m=55
